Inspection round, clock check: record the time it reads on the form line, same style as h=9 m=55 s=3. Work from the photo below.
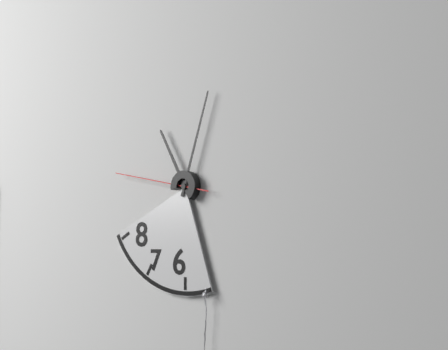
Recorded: h=11 m=3 s=47
